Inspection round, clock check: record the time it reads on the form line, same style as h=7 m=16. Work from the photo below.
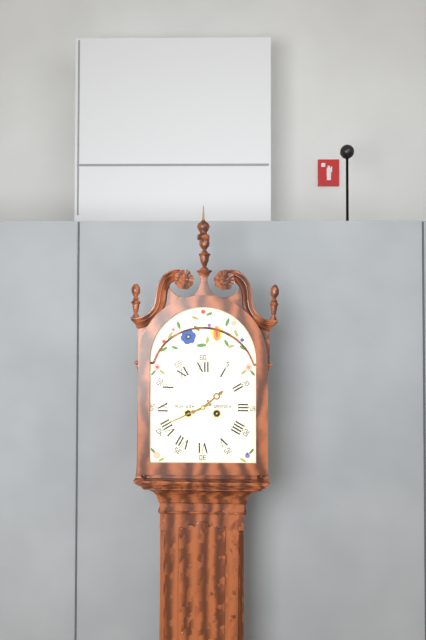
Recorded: h=1 m=41
